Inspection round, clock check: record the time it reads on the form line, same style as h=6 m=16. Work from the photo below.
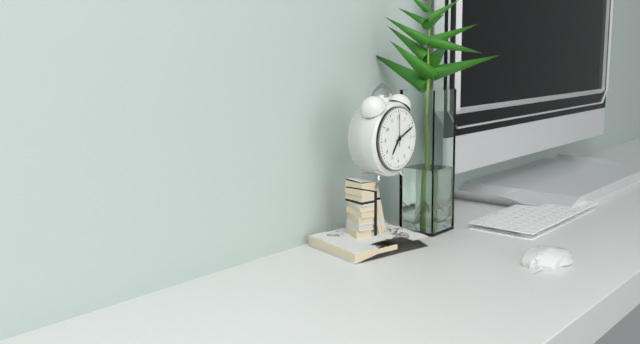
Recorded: h=7 m=11
